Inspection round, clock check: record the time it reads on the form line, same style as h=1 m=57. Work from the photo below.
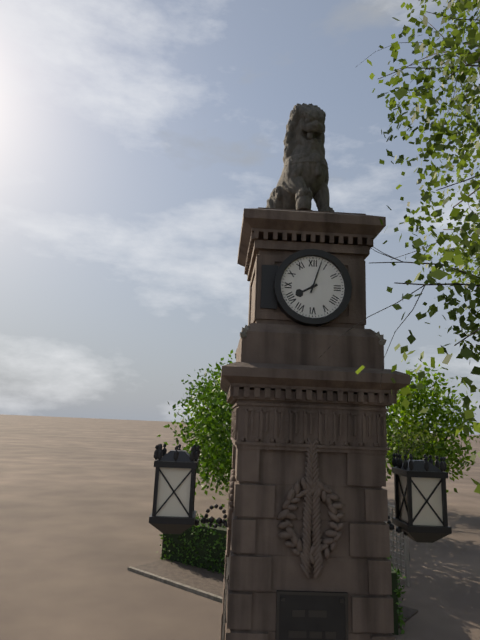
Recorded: h=8 m=3
